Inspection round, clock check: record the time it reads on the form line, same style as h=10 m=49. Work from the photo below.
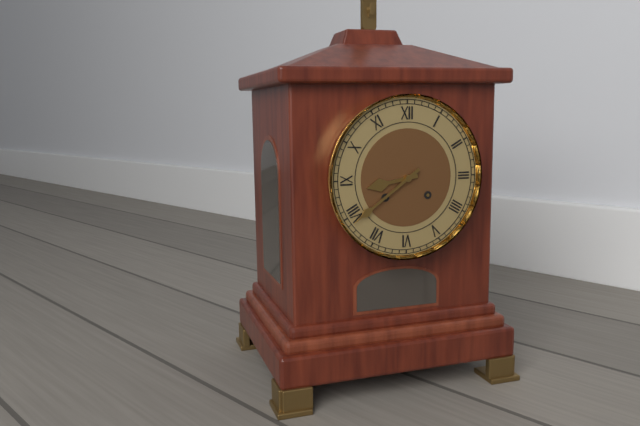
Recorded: h=8 m=39
